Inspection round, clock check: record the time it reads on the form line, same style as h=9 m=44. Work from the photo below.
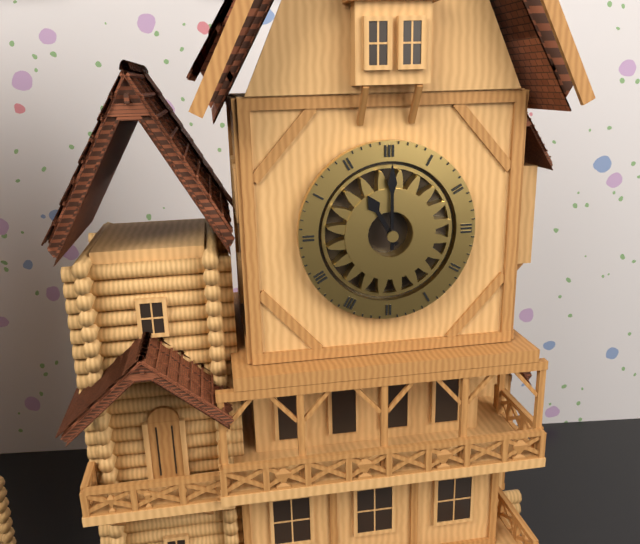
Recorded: h=11 m=0
